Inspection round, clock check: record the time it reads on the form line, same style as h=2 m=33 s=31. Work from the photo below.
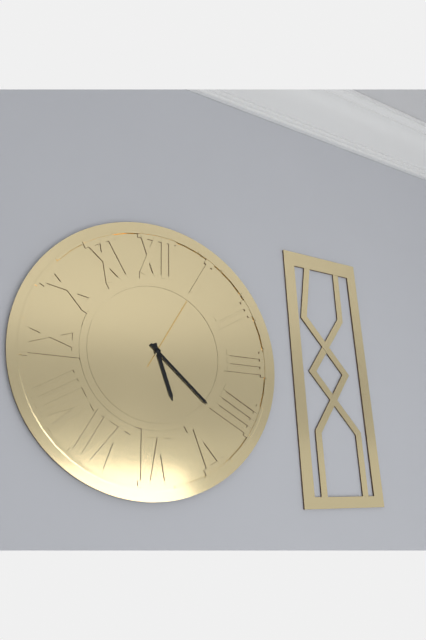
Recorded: h=5 m=22 s=5
